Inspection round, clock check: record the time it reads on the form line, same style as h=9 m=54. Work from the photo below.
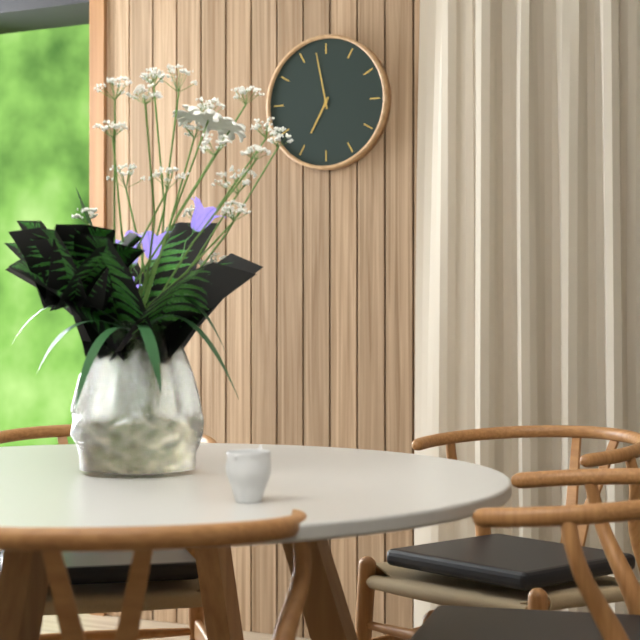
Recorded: h=6 m=58
